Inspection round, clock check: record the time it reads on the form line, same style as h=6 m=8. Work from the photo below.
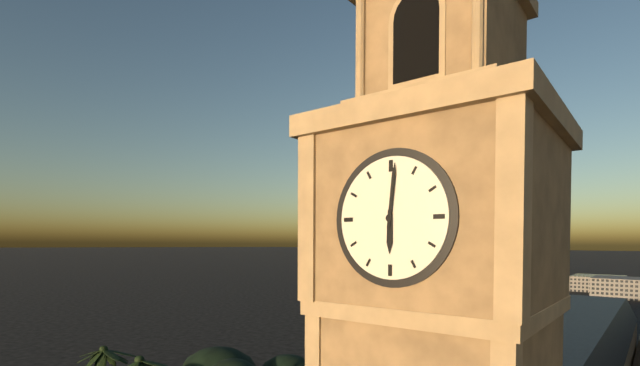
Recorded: h=6 m=1
